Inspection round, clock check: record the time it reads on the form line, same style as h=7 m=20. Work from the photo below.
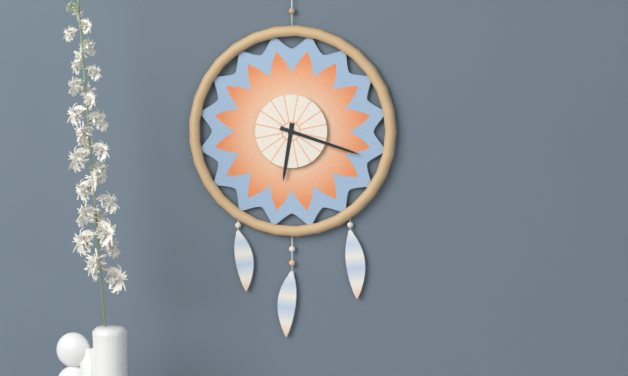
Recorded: h=6 m=18
